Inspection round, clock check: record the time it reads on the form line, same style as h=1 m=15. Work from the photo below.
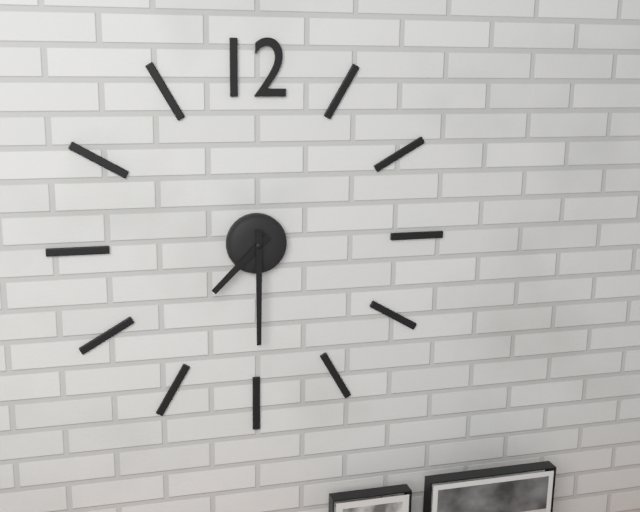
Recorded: h=7 m=30
